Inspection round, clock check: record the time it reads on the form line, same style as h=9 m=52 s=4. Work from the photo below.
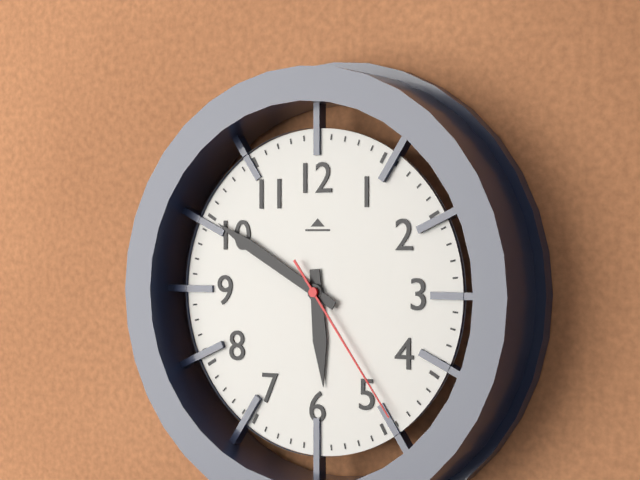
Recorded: h=5 m=50 s=24
